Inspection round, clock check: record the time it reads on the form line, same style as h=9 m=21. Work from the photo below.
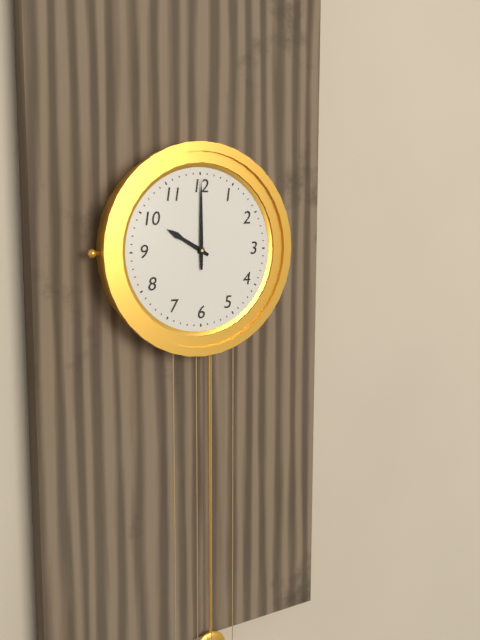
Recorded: h=10 m=0
